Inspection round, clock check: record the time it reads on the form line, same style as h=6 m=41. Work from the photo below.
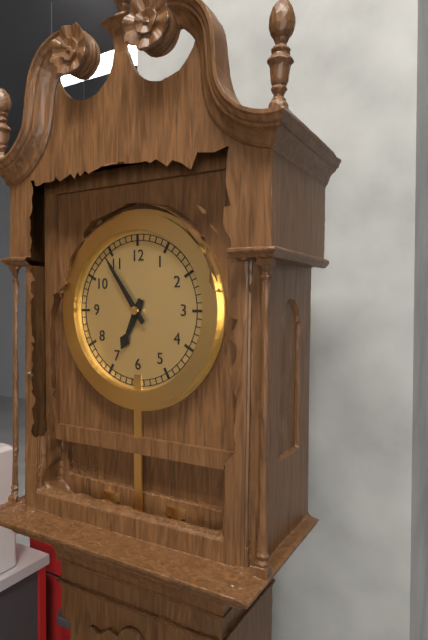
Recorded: h=6 m=54
